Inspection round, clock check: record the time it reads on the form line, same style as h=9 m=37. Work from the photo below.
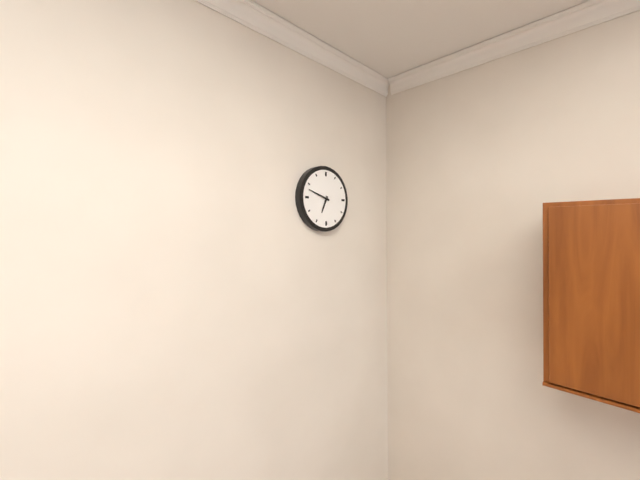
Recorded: h=6 m=48
